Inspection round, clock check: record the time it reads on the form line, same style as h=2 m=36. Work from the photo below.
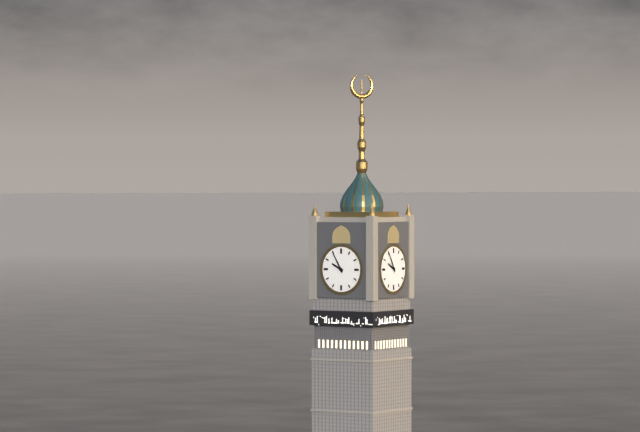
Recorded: h=9 m=55
